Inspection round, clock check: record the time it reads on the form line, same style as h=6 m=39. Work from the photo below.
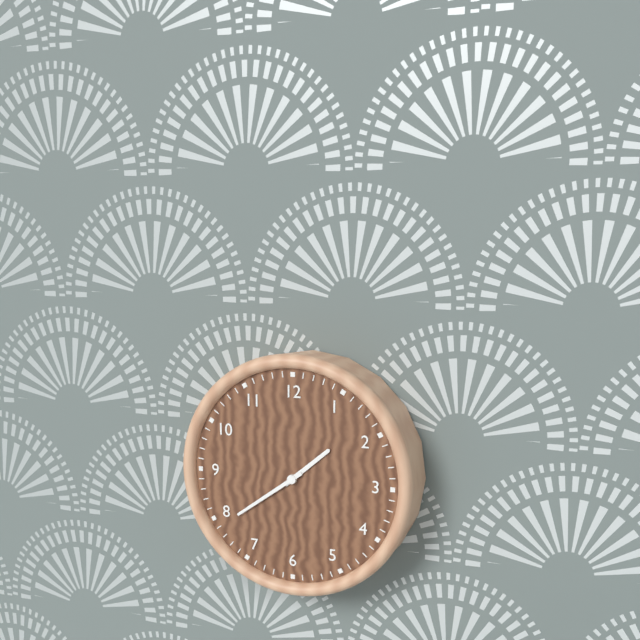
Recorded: h=1 m=39
